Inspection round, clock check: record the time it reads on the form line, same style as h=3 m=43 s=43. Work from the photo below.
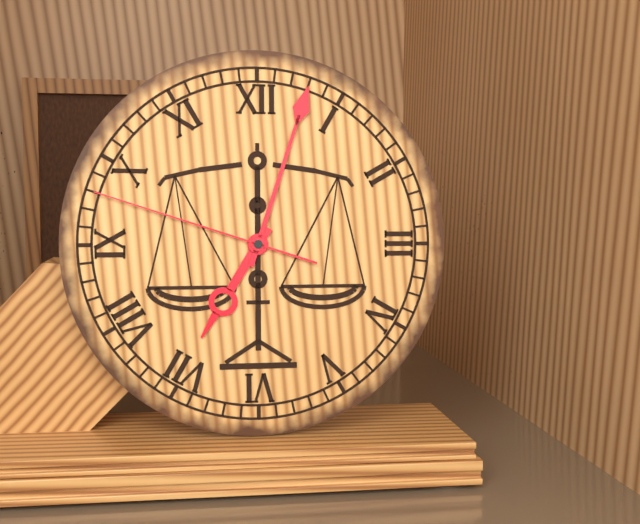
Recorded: h=7 m=3 s=48
